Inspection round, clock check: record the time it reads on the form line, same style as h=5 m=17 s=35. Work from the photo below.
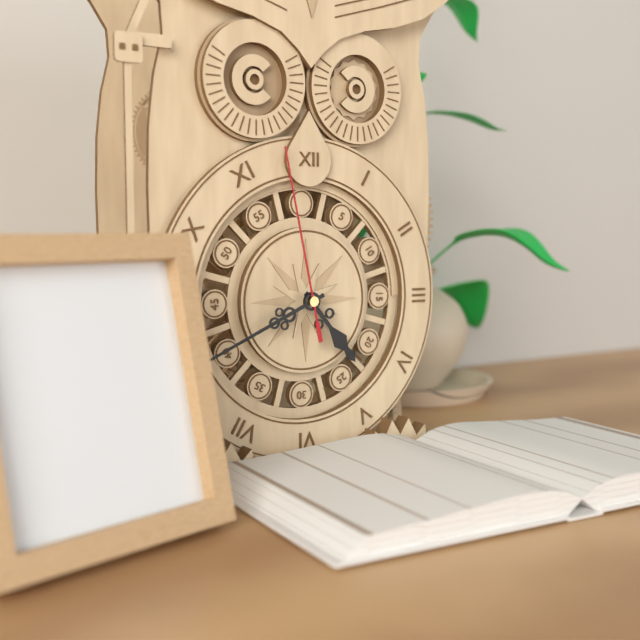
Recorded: h=4 m=41 s=58
